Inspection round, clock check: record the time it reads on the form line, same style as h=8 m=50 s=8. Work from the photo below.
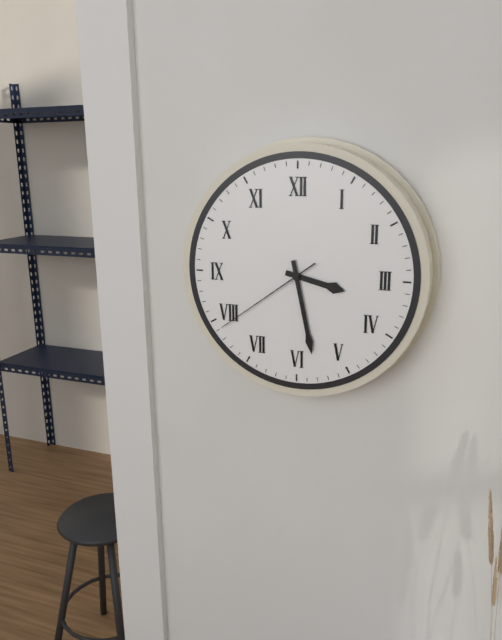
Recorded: h=3 m=28 s=39
